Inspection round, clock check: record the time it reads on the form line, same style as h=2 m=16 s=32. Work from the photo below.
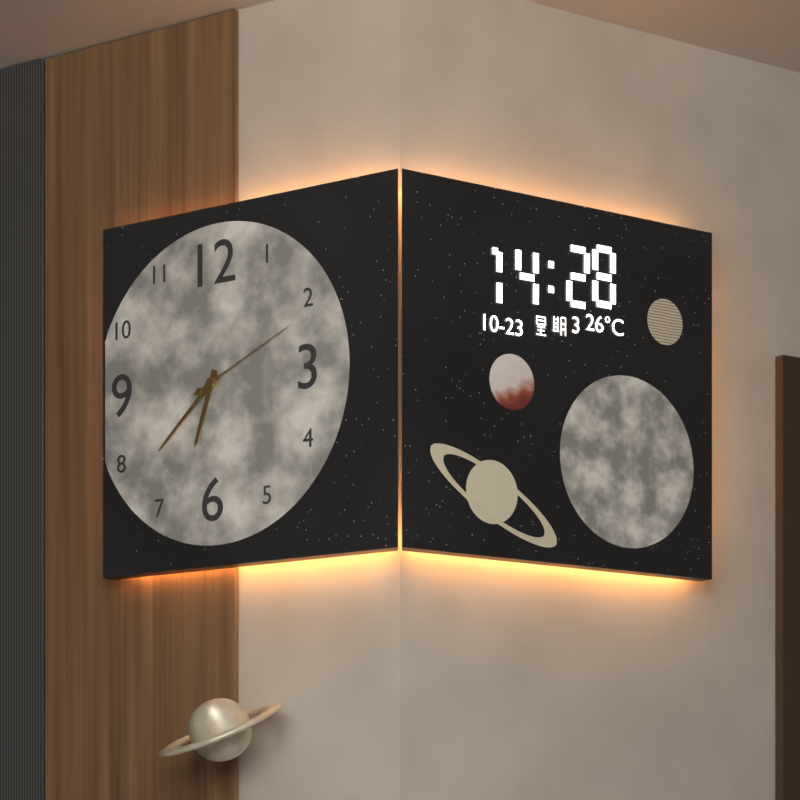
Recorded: h=6 m=38 s=11
